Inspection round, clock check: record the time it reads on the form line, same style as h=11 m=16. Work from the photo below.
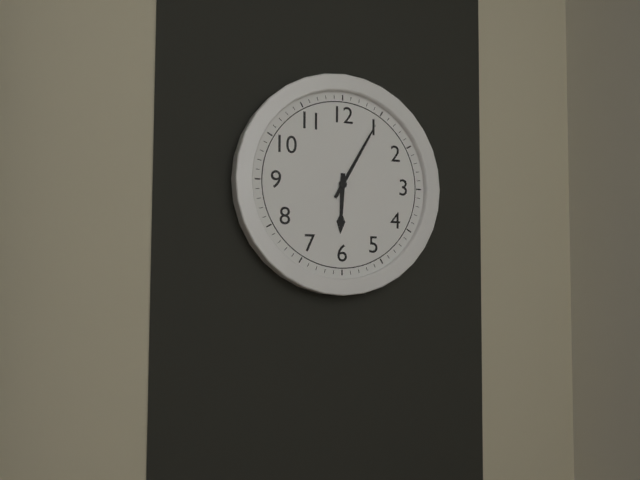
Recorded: h=6 m=5
